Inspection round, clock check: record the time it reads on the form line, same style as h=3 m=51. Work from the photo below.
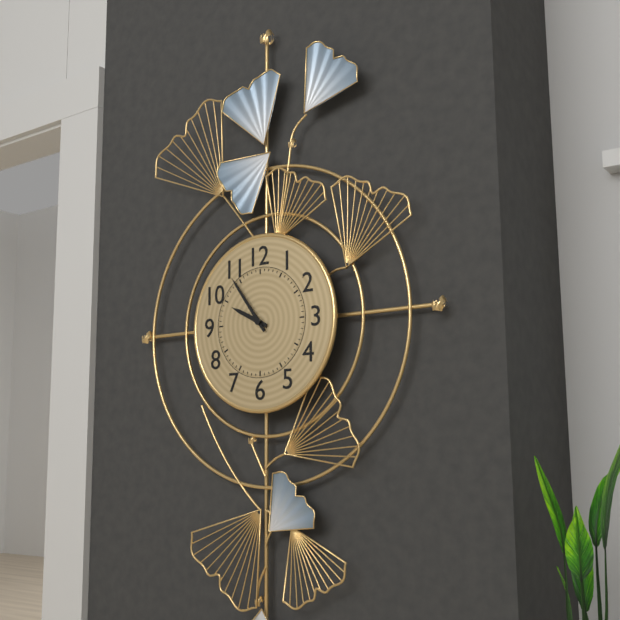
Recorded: h=9 m=54
